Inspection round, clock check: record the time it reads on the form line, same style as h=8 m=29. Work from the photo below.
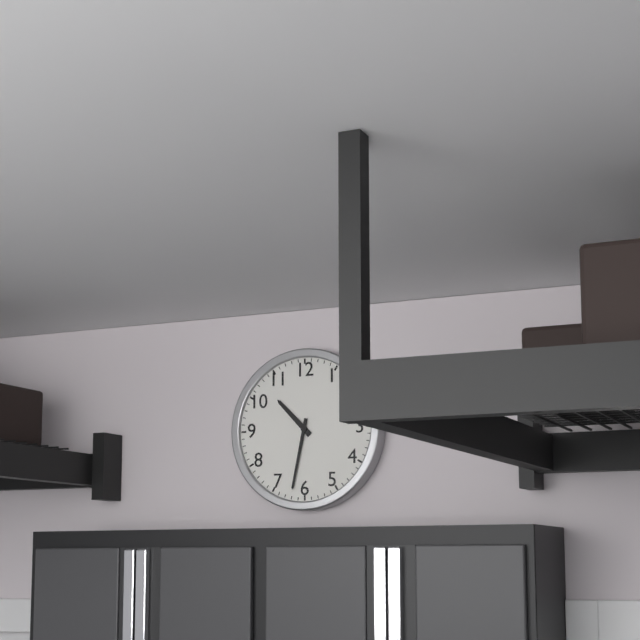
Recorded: h=10 m=32
